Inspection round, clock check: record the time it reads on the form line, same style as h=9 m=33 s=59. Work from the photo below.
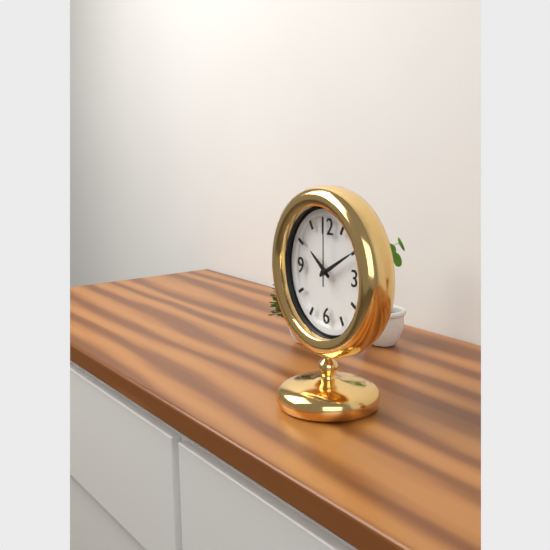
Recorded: h=10 m=10 s=0
